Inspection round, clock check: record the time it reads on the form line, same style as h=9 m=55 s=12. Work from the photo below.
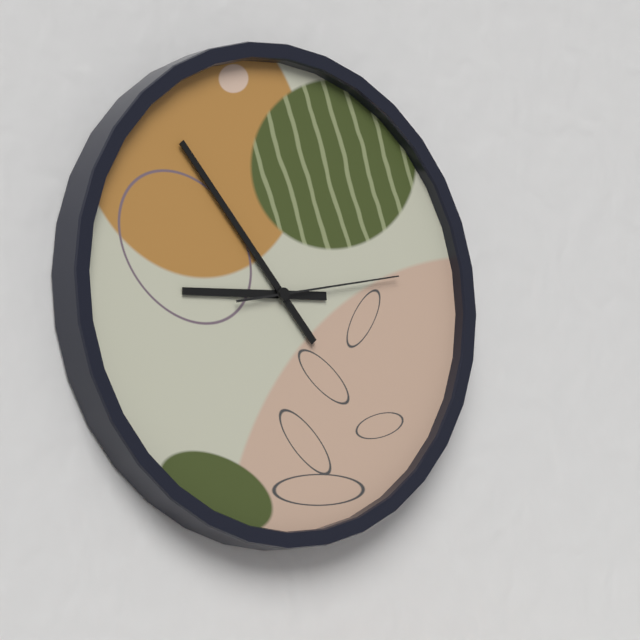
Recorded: h=8 m=53 s=13
